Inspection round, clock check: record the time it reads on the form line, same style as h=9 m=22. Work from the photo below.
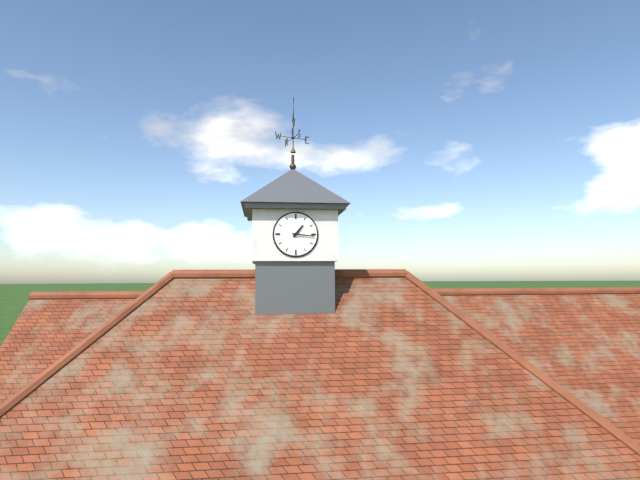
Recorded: h=1 m=16
